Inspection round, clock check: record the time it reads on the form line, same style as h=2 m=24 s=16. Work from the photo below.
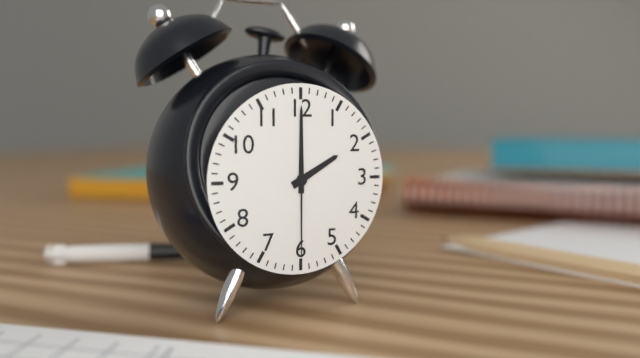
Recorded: h=2 m=0 s=30
